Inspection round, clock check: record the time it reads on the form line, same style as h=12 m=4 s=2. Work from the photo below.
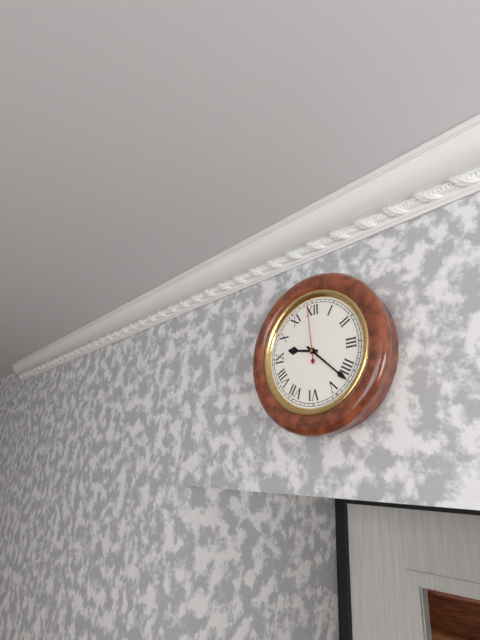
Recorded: h=9 m=22 s=59
